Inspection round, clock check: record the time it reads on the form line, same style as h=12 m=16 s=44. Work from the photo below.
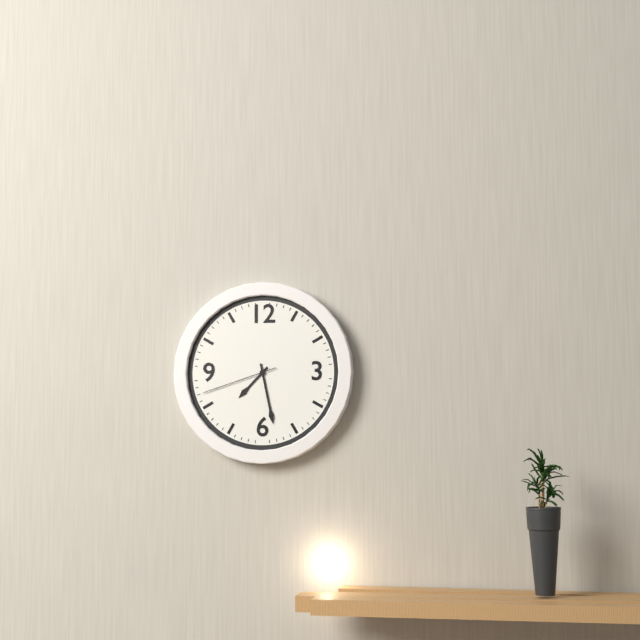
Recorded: h=7 m=28 s=42
